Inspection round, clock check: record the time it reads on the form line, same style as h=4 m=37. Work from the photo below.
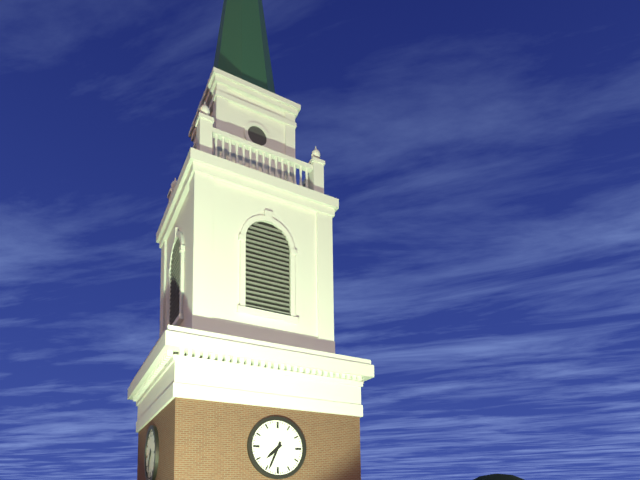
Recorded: h=7 m=34
